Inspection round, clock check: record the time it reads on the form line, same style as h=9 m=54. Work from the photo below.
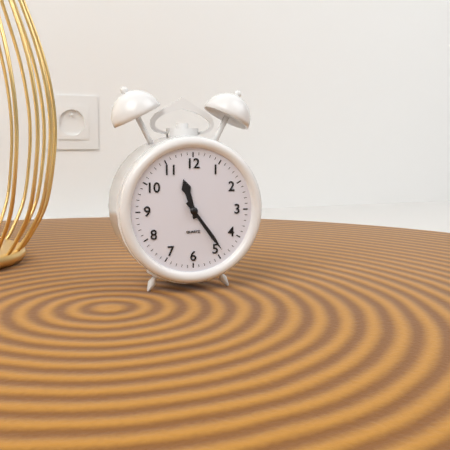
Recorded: h=11 m=24
